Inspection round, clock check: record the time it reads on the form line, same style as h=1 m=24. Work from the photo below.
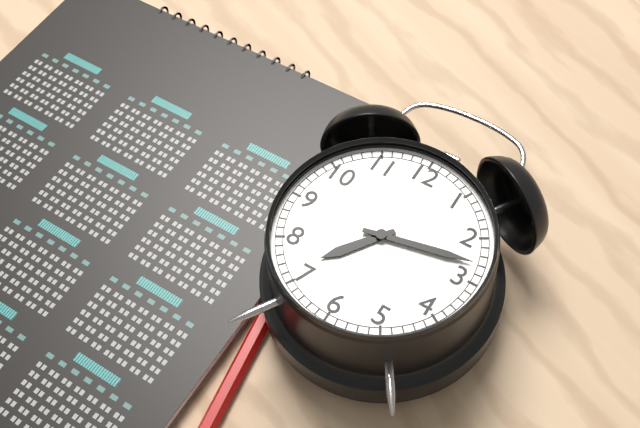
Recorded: h=7 m=13
